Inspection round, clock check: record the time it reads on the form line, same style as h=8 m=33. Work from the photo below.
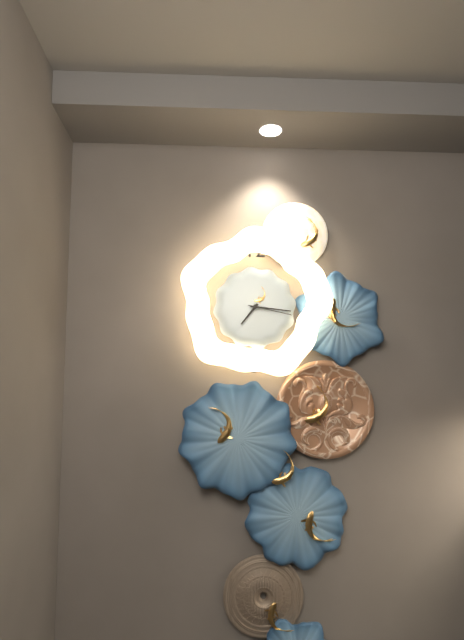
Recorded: h=7 m=16
